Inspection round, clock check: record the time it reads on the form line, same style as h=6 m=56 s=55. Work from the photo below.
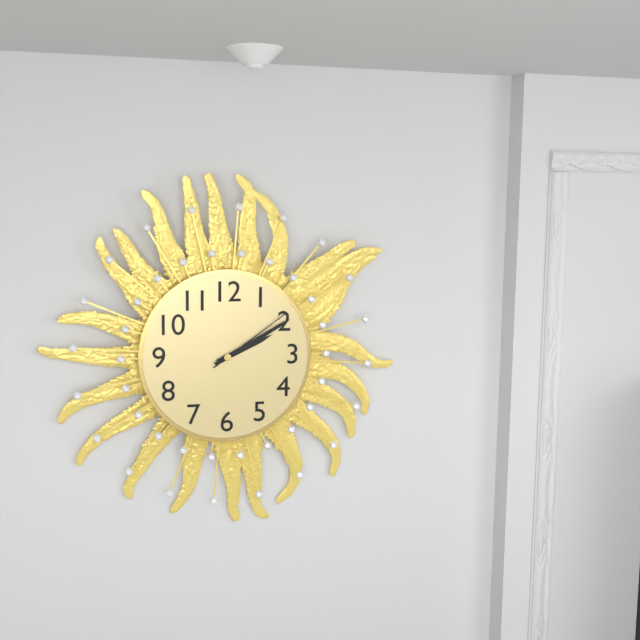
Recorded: h=2 m=10 s=9
